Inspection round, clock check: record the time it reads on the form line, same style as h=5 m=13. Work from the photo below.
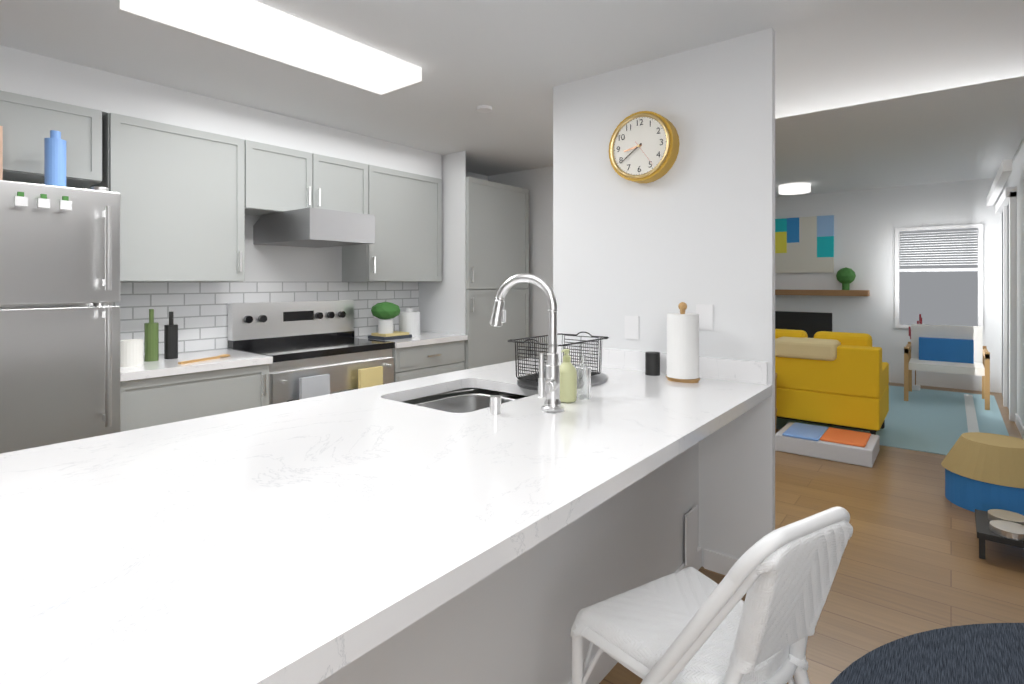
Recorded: h=8 m=39
